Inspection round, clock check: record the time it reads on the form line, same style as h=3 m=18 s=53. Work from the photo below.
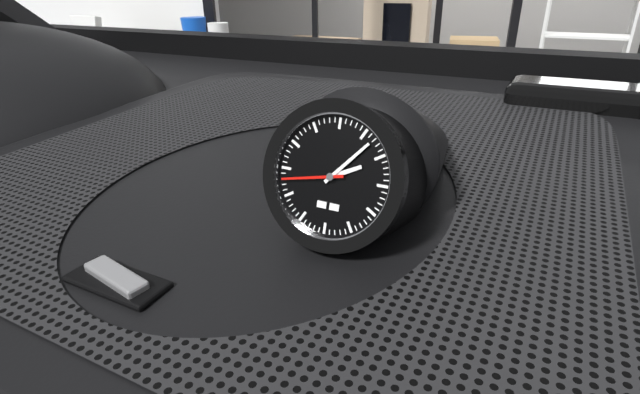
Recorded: h=2 m=7 s=43
